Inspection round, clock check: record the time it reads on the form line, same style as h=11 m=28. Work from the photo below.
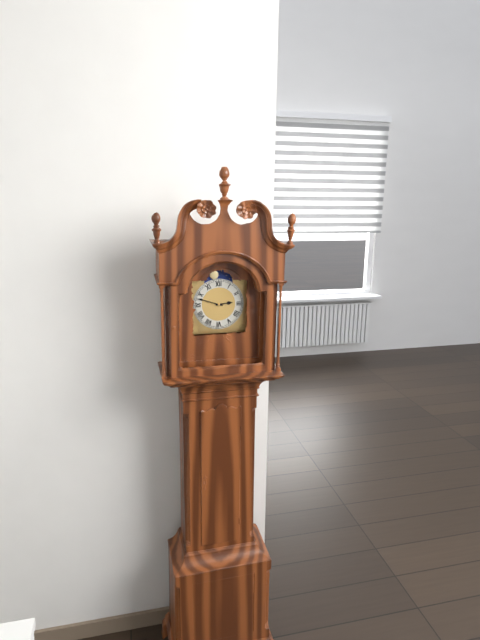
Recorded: h=2 m=48
